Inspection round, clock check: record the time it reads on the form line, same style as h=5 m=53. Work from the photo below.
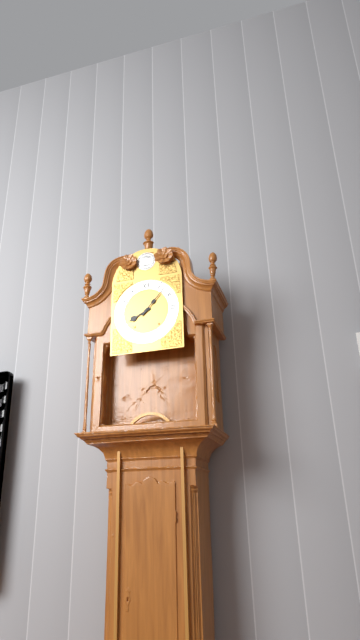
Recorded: h=8 m=7
